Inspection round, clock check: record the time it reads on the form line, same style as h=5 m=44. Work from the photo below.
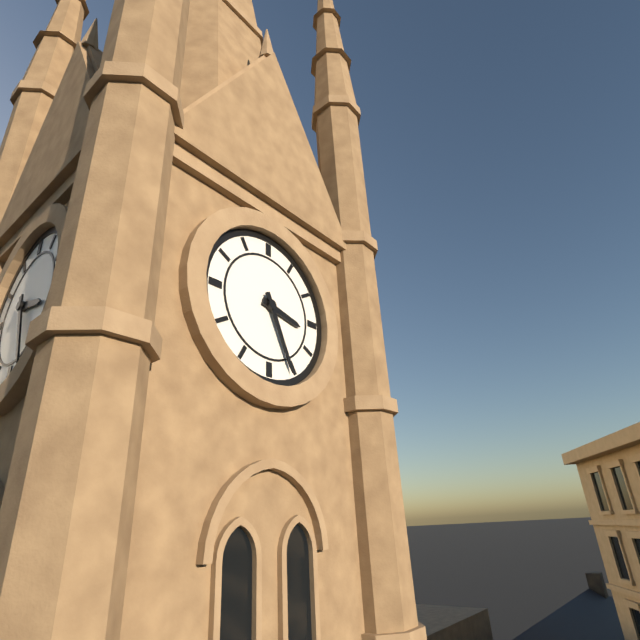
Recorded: h=3 m=26
